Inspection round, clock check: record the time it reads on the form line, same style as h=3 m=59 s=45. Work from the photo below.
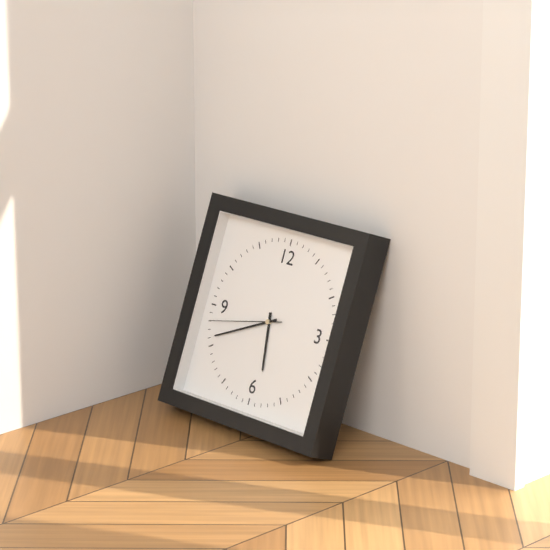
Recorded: h=5 m=41 s=43
